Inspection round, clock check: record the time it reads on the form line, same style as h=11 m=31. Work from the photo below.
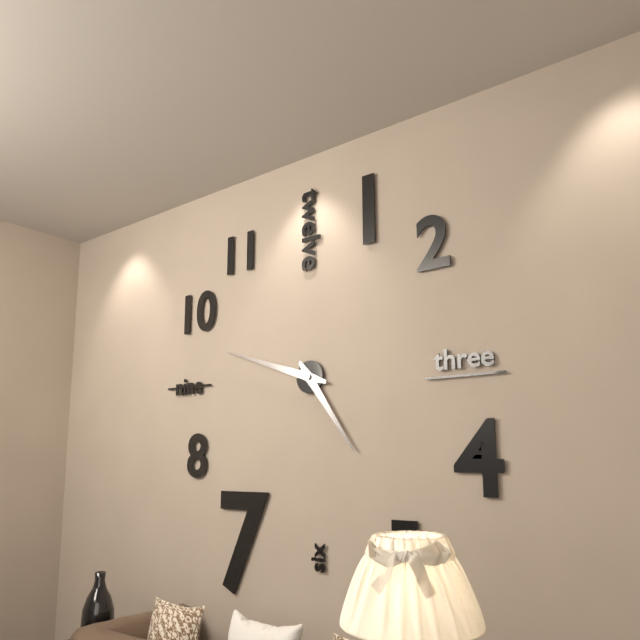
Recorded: h=4 m=48
